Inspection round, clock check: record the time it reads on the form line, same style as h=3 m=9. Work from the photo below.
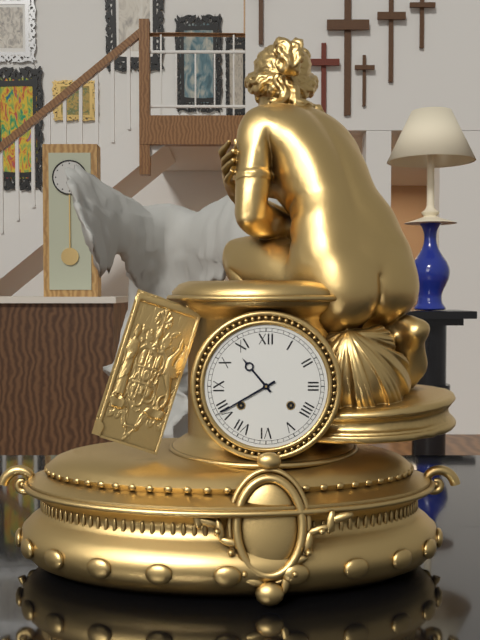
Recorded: h=10 m=40
